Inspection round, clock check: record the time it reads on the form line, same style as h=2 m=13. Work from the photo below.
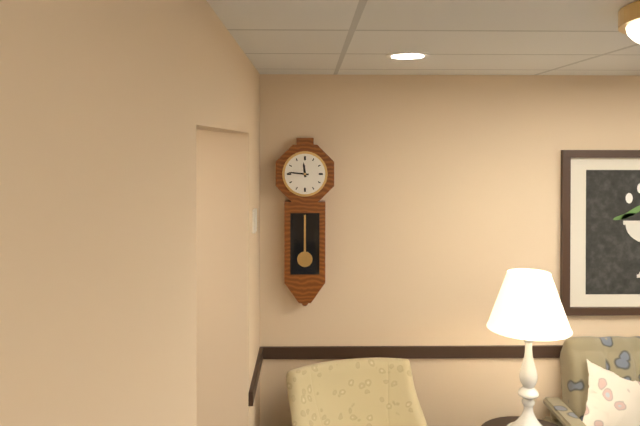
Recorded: h=11 m=46
